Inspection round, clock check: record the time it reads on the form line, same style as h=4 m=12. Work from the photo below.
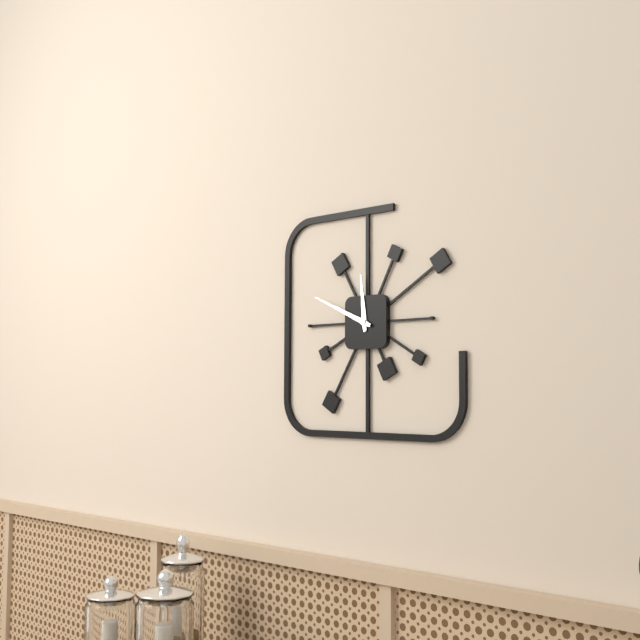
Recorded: h=11 m=49
